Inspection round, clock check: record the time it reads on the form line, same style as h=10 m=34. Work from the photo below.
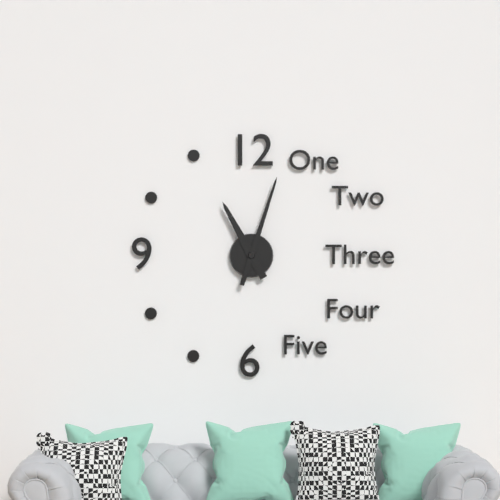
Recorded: h=11 m=3
